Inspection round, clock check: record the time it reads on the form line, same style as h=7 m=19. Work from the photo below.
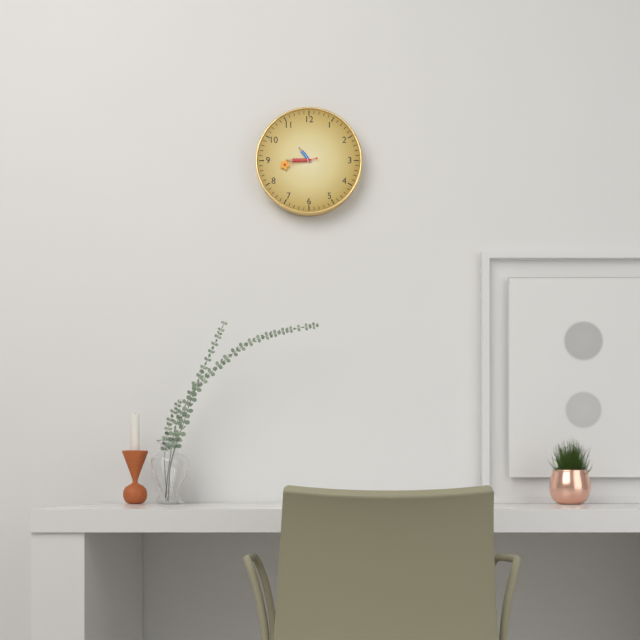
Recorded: h=10 m=45
